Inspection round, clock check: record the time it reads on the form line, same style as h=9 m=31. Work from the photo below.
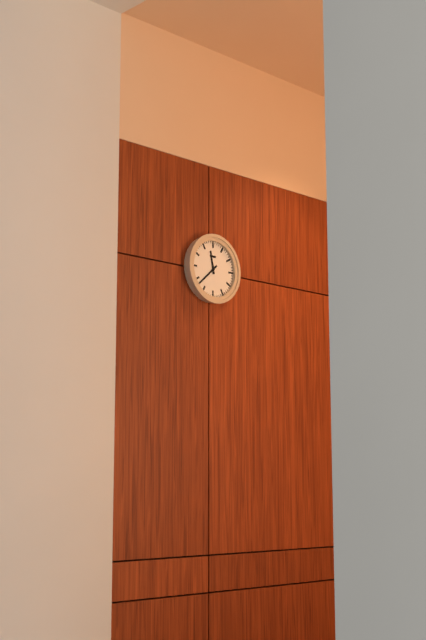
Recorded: h=11 m=38
